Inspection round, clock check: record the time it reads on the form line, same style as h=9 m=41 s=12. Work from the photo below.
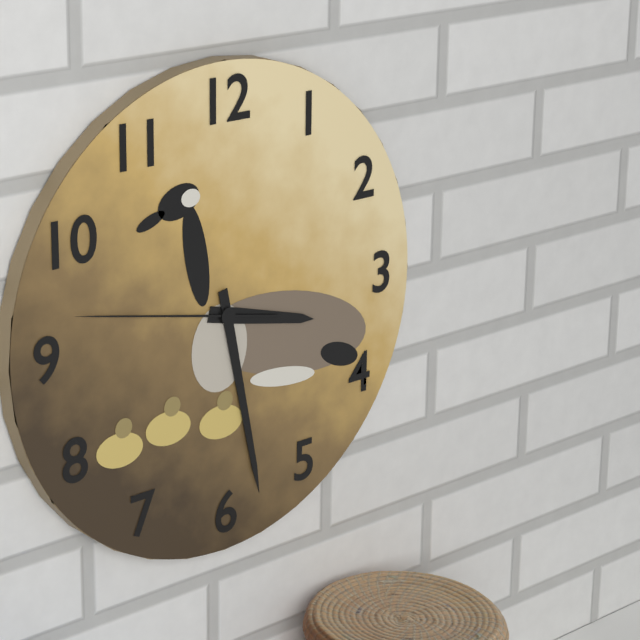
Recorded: h=3 m=28 s=47
